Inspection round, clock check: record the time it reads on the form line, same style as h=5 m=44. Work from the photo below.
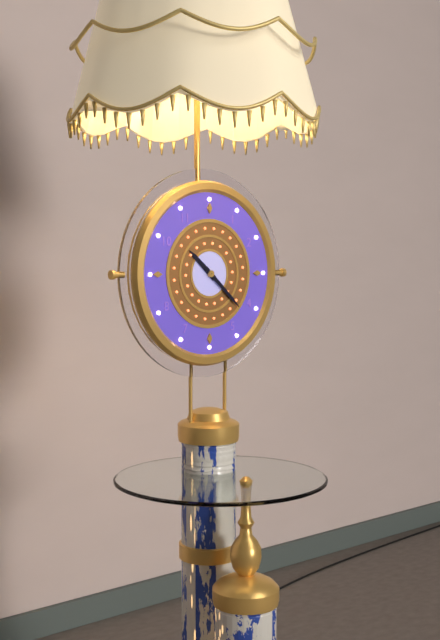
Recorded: h=10 m=22
